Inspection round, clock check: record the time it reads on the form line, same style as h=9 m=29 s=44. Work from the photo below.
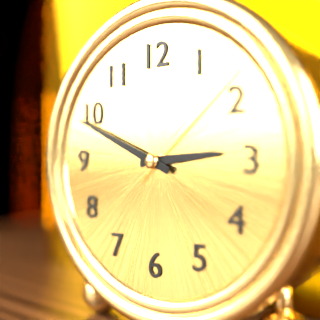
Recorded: h=2 m=49 s=8
